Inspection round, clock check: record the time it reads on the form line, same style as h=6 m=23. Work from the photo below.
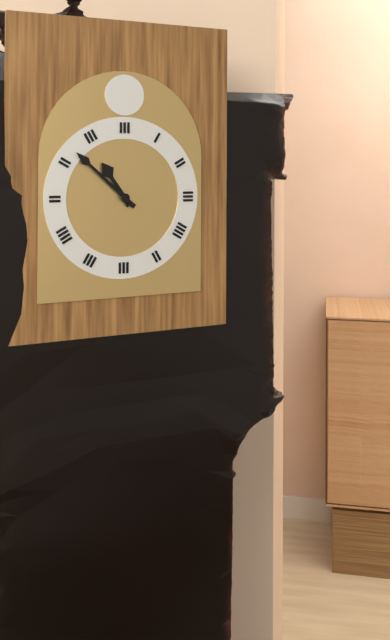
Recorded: h=10 m=52
